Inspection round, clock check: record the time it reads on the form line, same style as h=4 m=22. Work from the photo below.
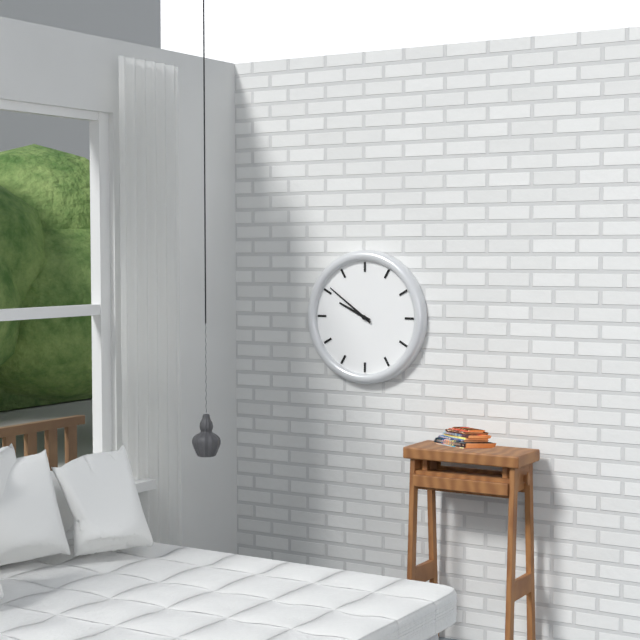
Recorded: h=9 m=51
